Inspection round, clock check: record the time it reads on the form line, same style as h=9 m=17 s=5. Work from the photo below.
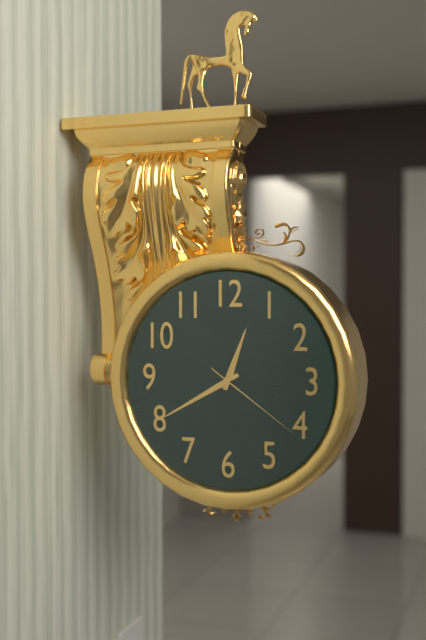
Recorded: h=12 m=40 s=21
